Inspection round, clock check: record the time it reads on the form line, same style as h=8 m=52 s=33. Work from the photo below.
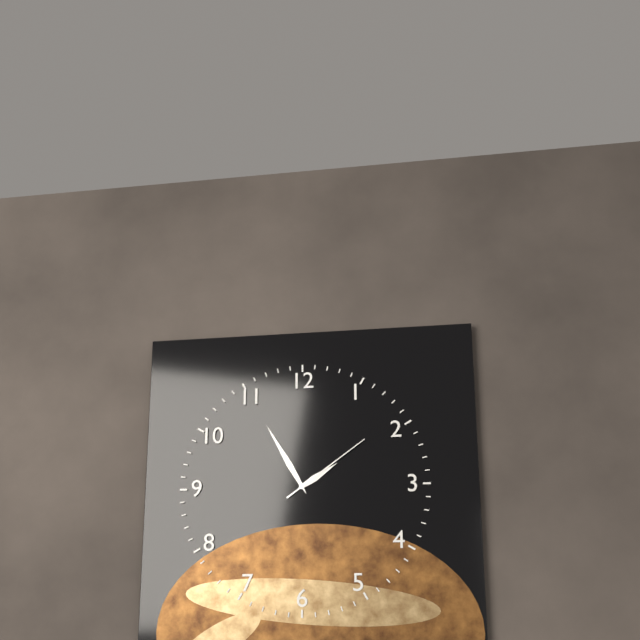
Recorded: h=1 m=55 s=9
